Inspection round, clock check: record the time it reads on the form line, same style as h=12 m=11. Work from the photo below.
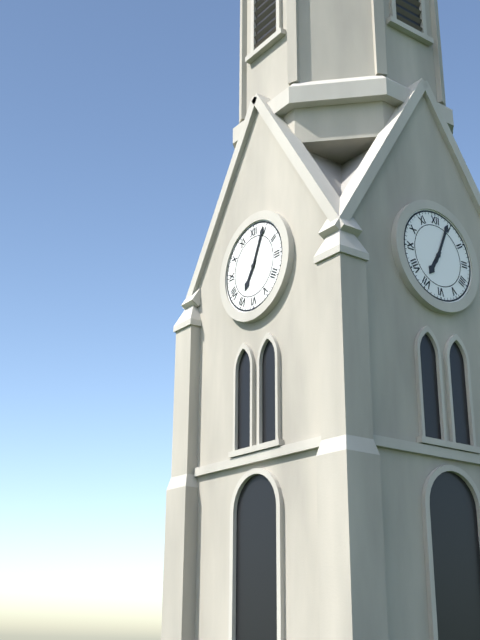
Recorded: h=7 m=4
